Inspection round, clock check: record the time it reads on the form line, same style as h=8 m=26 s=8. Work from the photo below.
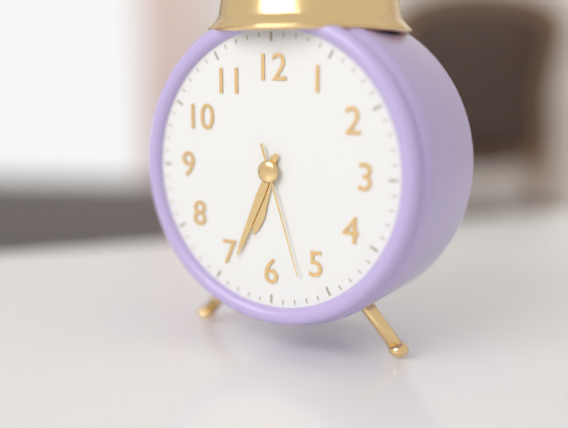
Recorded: h=6 m=34 s=27
